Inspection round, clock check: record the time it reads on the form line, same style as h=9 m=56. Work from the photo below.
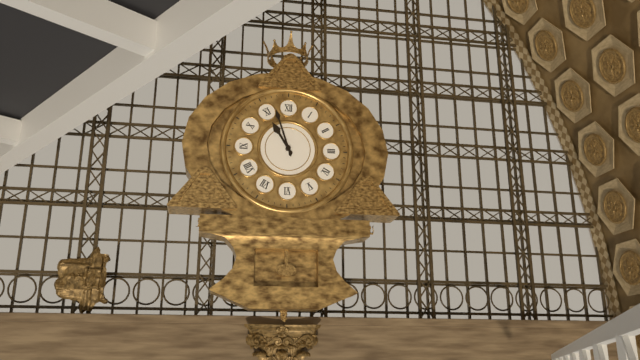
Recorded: h=10 m=57
